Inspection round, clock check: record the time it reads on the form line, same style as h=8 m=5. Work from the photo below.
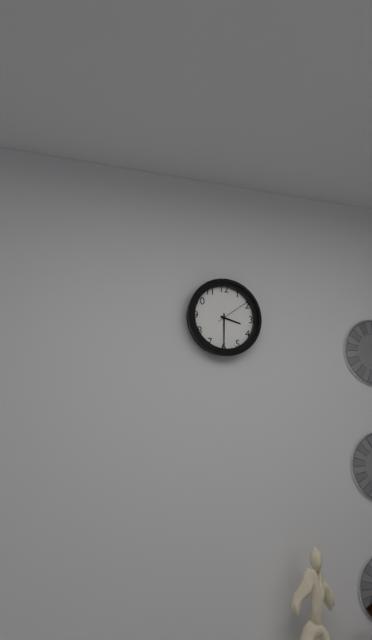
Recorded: h=3 m=30
